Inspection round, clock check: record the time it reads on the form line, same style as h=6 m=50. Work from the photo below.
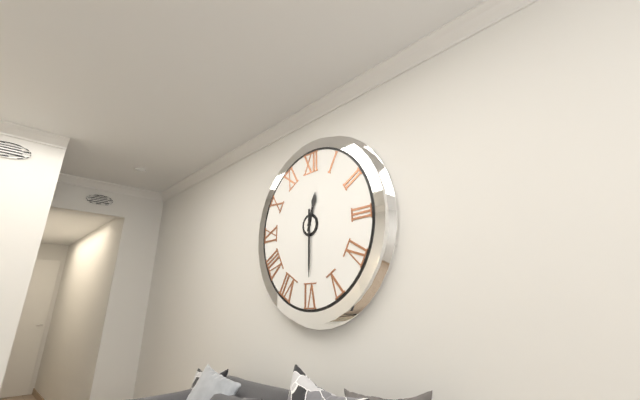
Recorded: h=12 m=30
